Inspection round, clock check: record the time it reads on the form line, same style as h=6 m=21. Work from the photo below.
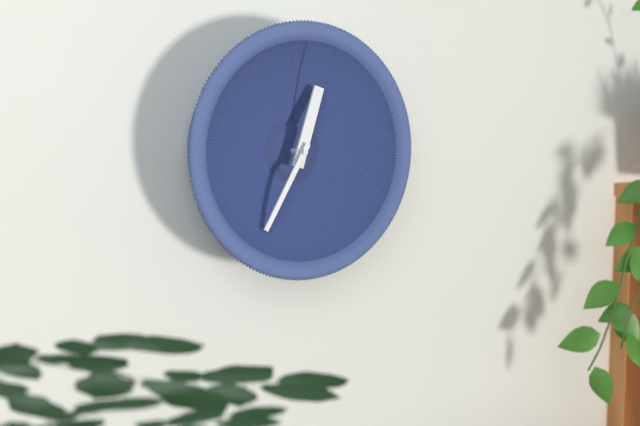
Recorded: h=12 m=35
